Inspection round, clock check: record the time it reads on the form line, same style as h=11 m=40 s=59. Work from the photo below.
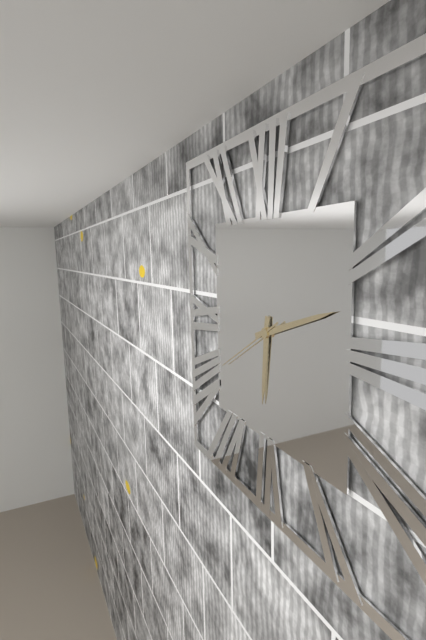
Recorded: h=6 m=12 s=40
